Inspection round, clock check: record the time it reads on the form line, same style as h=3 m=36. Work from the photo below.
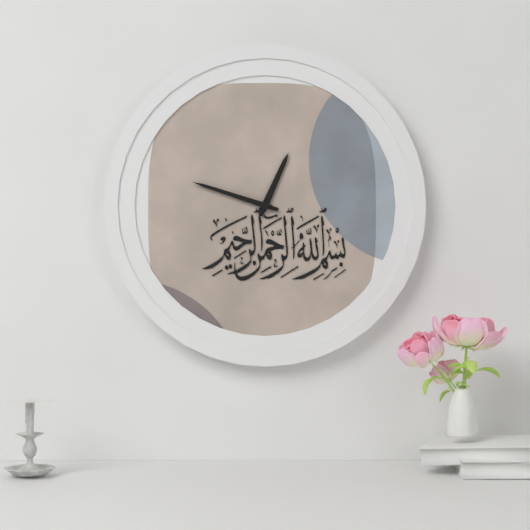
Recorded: h=12 m=48
